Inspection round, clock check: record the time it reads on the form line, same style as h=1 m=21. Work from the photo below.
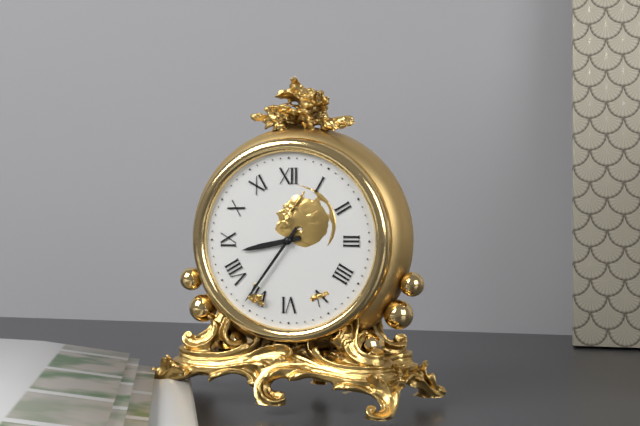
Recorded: h=8 m=36
